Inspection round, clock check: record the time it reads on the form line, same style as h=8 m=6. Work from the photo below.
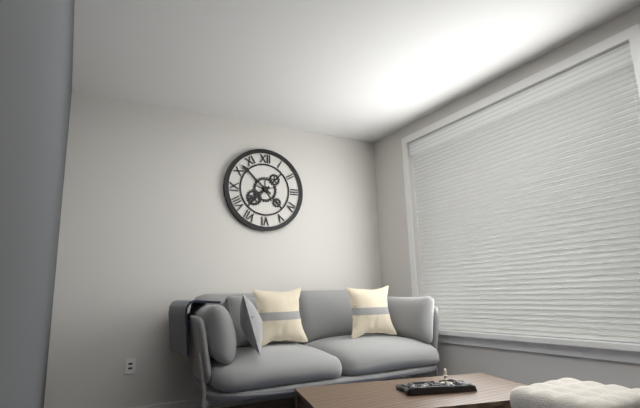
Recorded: h=7 m=52
